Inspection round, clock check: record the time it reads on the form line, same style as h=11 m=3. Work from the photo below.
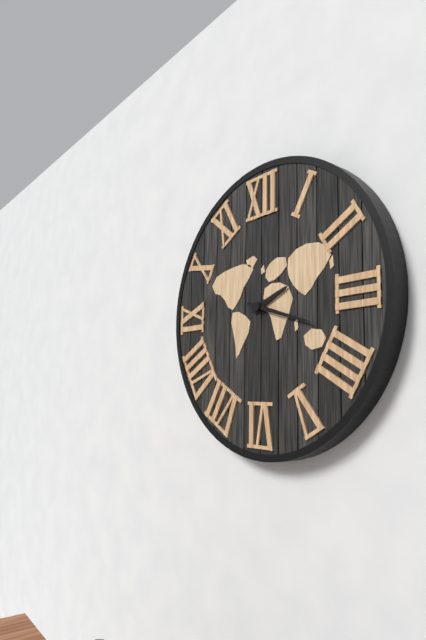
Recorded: h=2 m=18
